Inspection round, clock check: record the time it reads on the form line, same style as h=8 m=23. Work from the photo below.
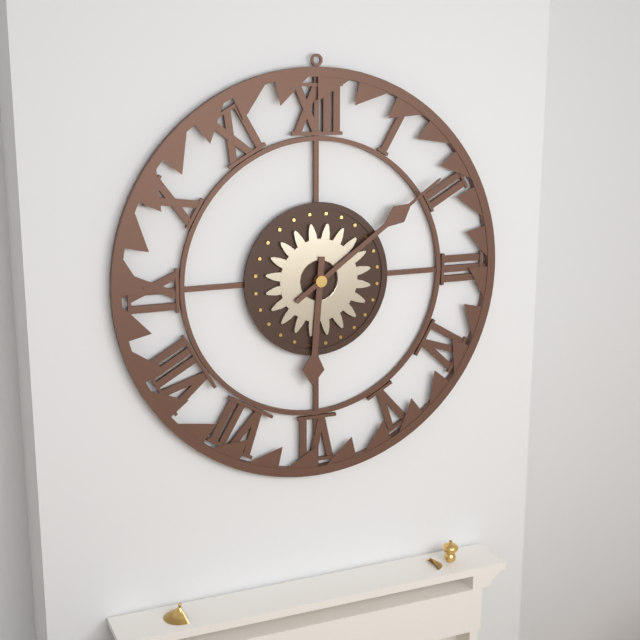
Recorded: h=6 m=9
